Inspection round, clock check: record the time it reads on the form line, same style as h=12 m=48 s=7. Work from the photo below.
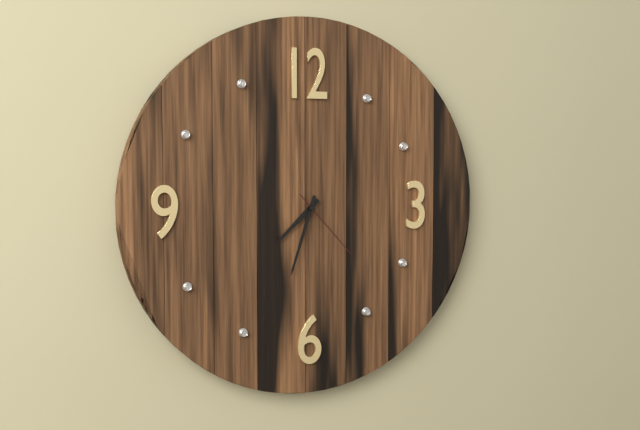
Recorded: h=7 m=33 s=23
